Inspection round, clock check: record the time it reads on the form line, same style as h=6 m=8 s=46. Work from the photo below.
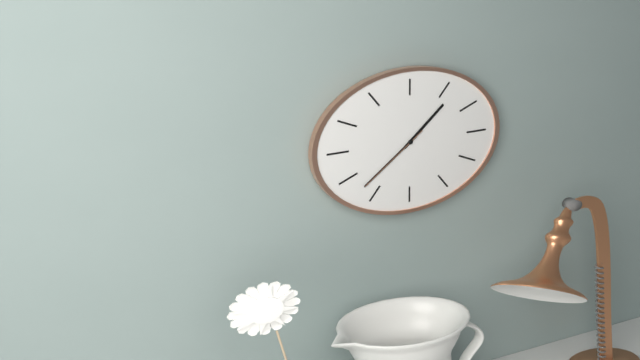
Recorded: h=1 m=39 s=39
